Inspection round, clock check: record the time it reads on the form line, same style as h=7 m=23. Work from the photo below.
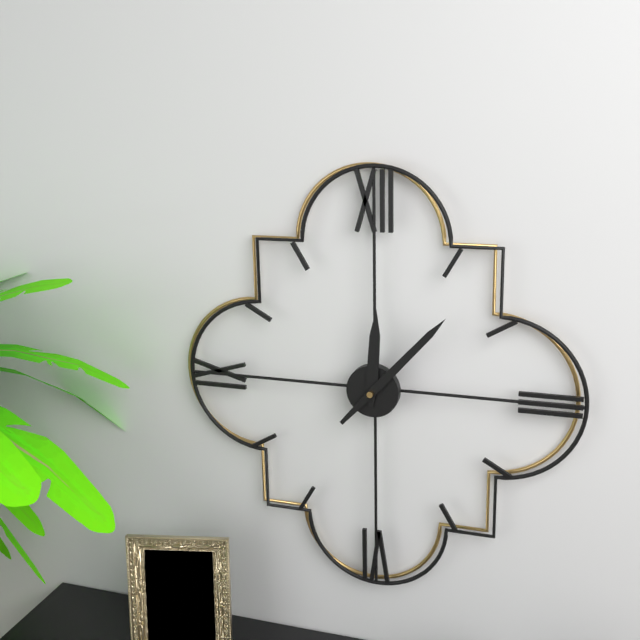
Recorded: h=12 m=7
